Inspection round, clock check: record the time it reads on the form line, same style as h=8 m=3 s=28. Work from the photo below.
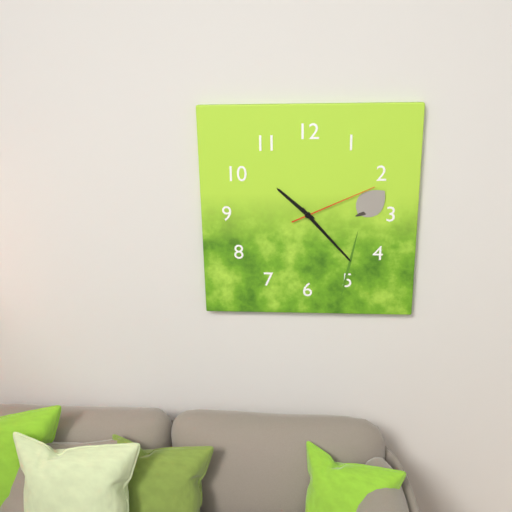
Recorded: h=10 m=23 s=11
